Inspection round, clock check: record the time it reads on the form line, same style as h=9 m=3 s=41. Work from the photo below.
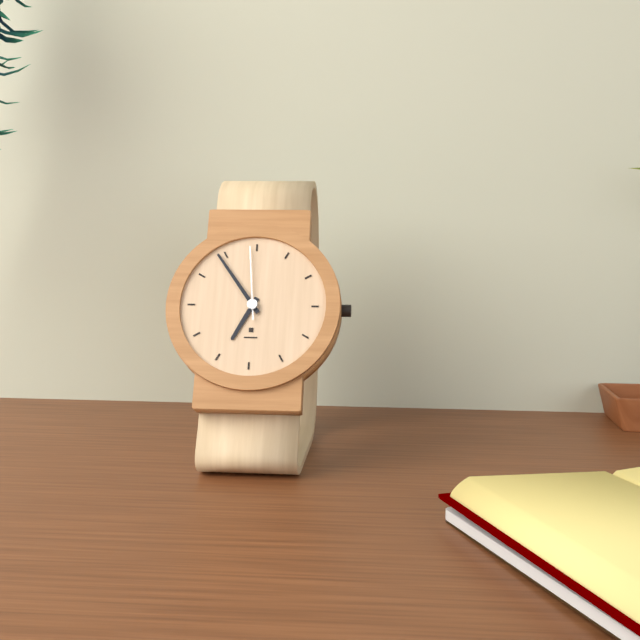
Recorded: h=6 m=54 s=59
